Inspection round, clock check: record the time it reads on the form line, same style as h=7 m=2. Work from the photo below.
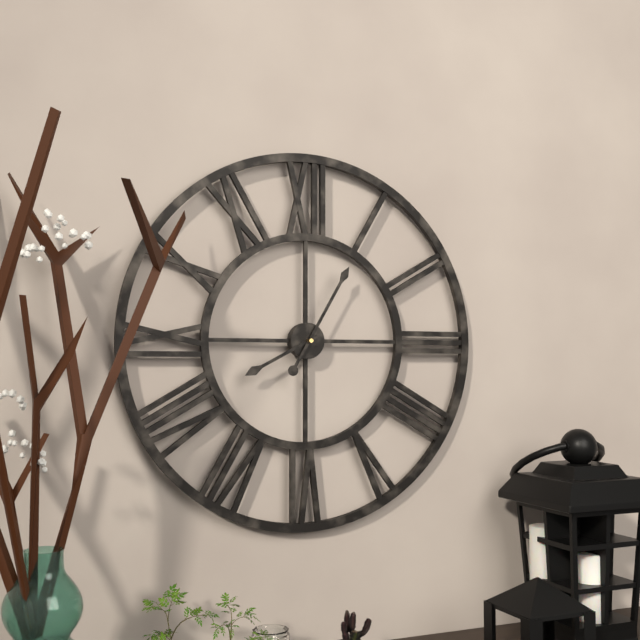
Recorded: h=8 m=5
